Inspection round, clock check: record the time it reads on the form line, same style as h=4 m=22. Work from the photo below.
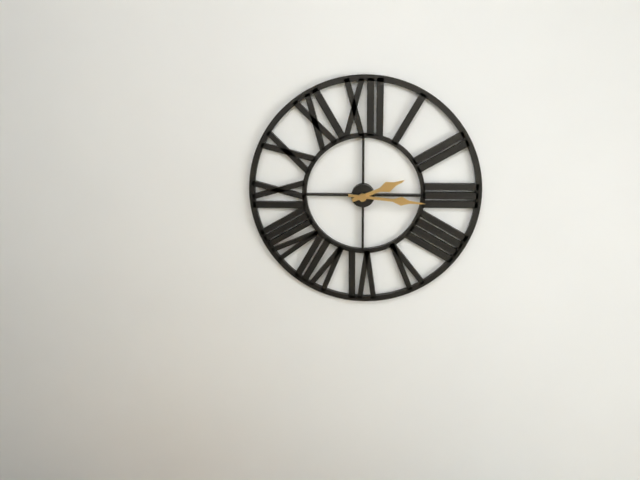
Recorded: h=2 m=16
